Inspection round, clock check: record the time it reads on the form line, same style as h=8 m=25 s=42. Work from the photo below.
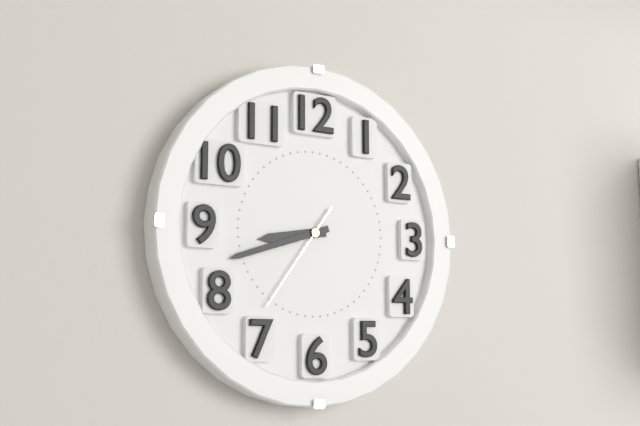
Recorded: h=8 m=42 s=36
